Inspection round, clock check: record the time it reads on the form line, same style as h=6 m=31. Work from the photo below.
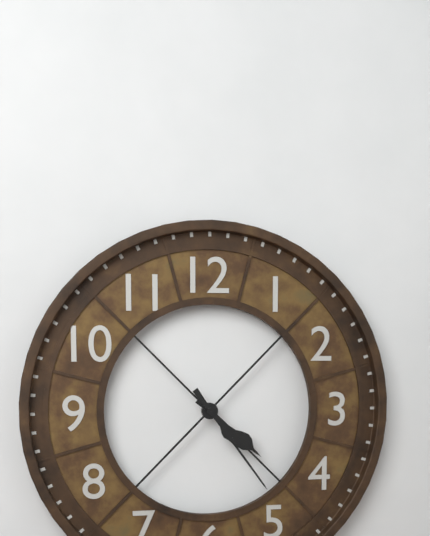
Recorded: h=4 m=24
